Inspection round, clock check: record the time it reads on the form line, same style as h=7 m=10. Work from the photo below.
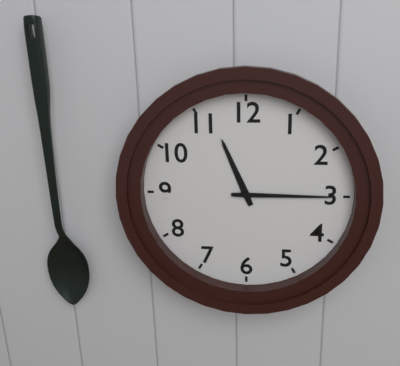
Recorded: h=11 m=15
